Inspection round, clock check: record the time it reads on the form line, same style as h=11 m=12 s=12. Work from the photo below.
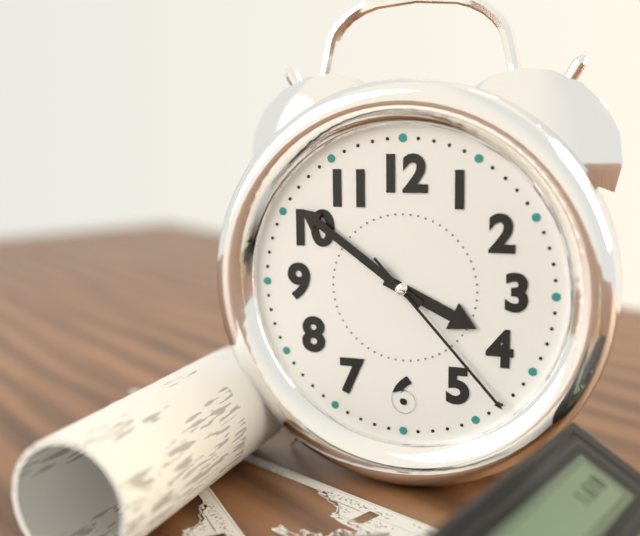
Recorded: h=3 m=51 s=23
